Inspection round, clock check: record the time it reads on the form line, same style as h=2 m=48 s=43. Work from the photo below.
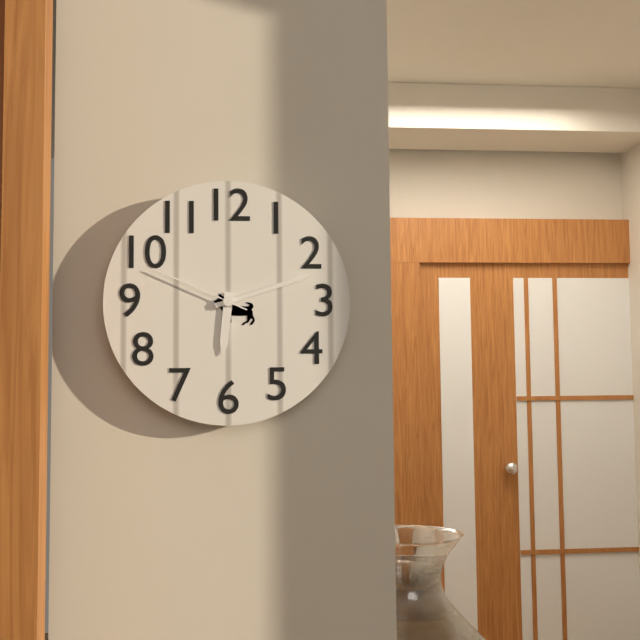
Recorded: h=6 m=12 s=49
